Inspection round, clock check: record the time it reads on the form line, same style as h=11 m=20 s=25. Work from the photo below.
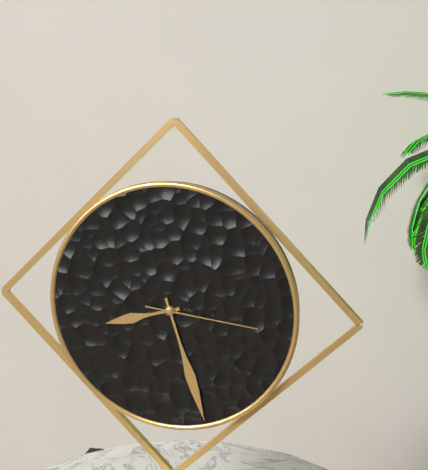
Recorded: h=8 m=27 s=16
